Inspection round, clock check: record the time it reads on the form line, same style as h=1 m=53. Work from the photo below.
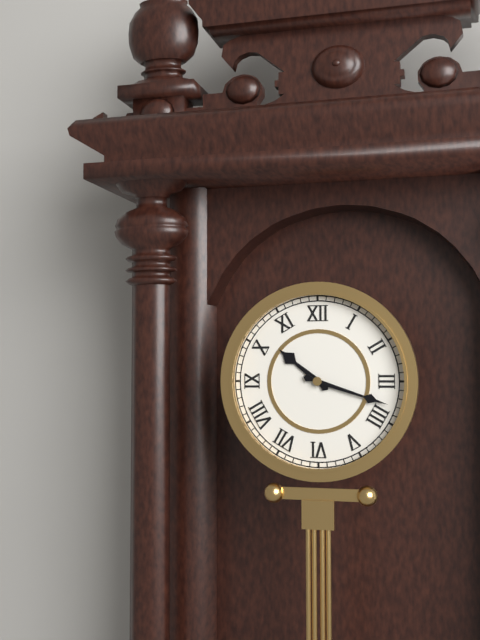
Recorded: h=10 m=18
